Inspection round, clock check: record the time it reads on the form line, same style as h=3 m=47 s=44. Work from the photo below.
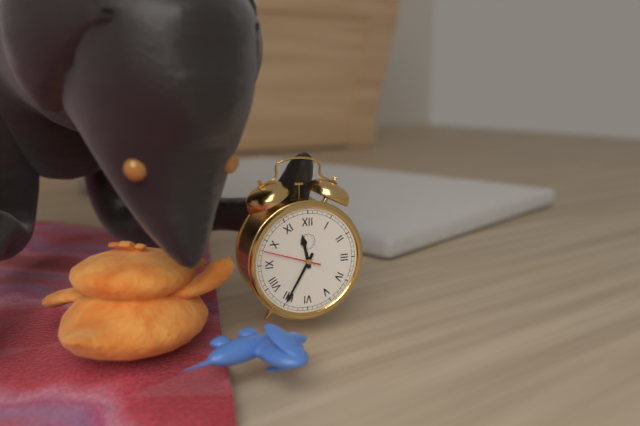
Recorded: h=11 m=35 s=48
